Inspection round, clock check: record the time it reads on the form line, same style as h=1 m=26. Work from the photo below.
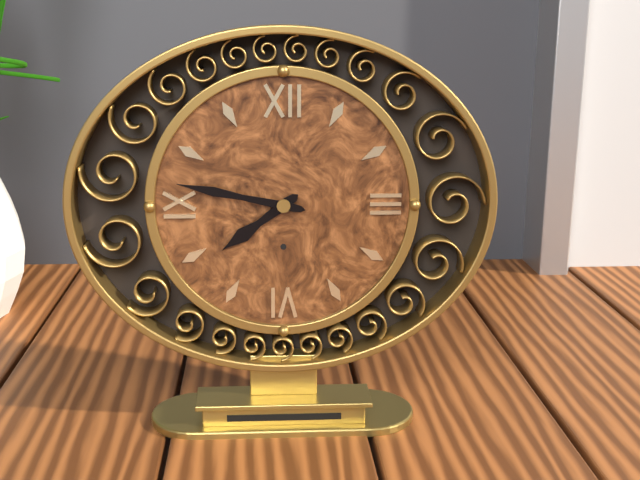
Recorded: h=7 m=47
